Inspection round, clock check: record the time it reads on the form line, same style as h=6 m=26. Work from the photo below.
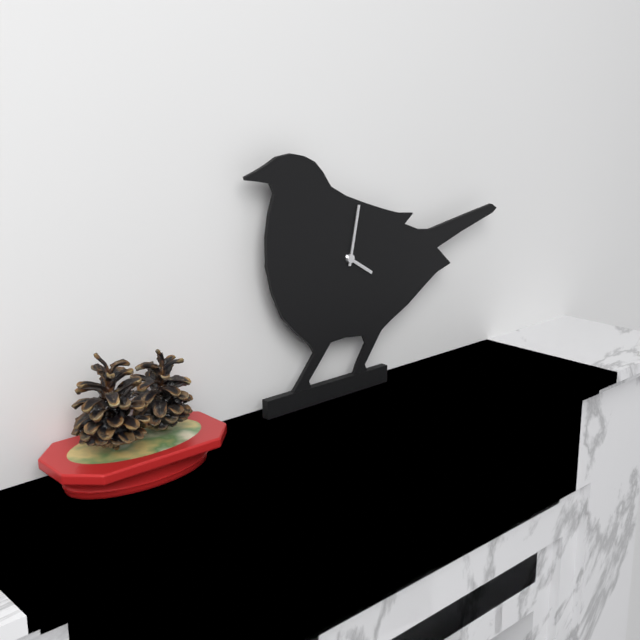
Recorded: h=4 m=2
